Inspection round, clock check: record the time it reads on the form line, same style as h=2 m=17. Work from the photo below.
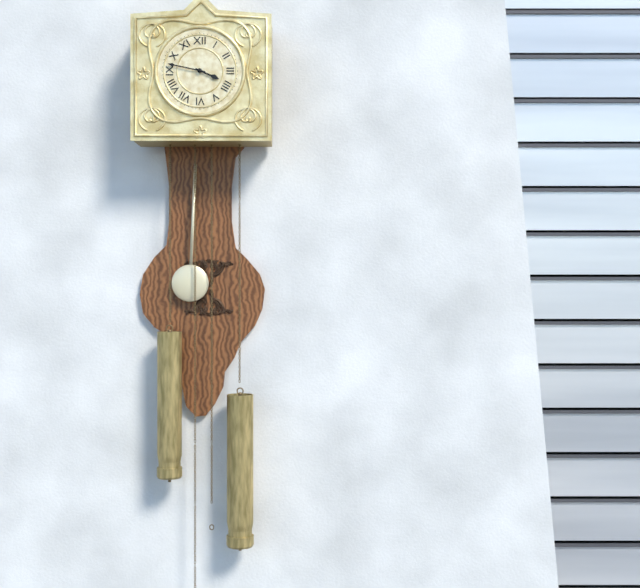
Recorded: h=3 m=47
